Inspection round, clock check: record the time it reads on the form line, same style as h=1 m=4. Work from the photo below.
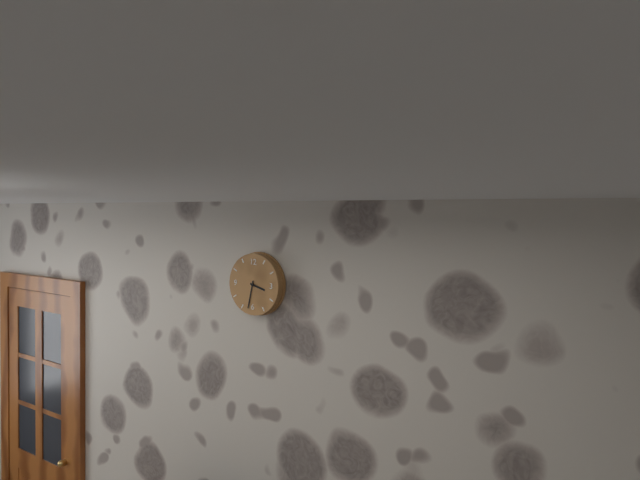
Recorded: h=3 m=32
